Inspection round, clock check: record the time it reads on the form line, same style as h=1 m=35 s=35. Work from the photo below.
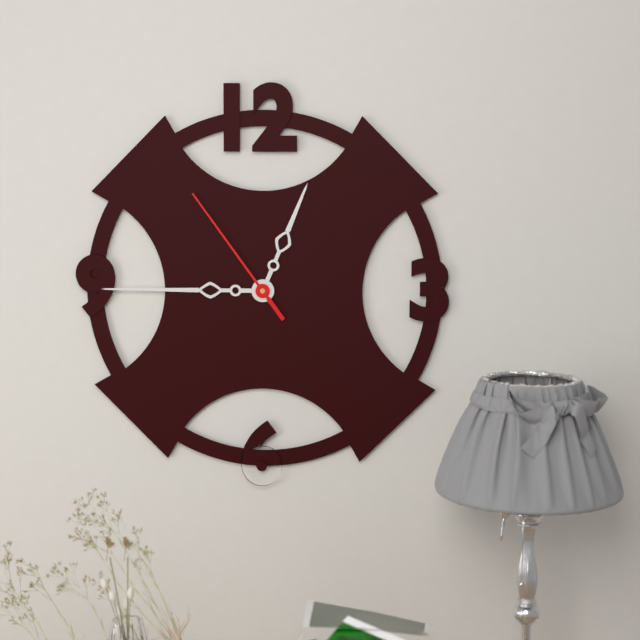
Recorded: h=12 m=45 s=54
